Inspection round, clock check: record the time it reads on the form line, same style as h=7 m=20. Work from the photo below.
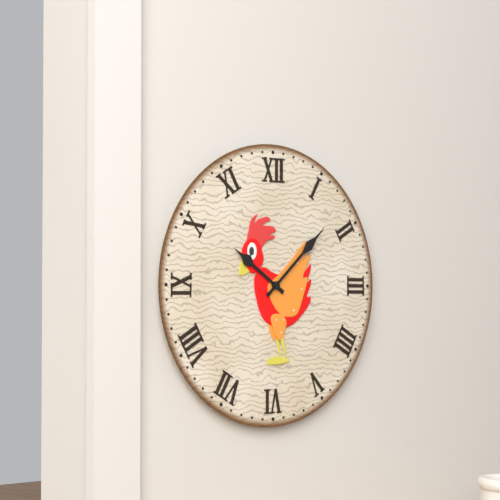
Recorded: h=10 m=8
